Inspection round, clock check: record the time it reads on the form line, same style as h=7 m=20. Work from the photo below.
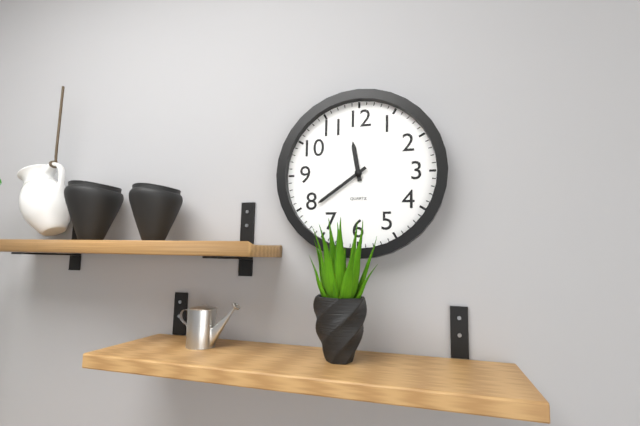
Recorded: h=11 m=39
